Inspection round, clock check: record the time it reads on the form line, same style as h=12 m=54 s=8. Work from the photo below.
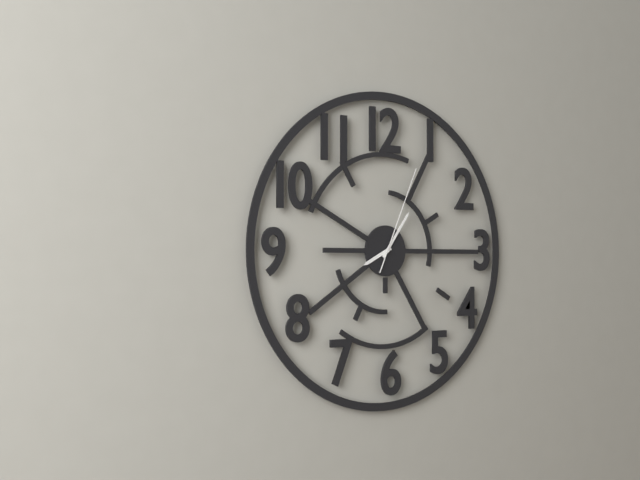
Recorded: h=8 m=6 s=4
